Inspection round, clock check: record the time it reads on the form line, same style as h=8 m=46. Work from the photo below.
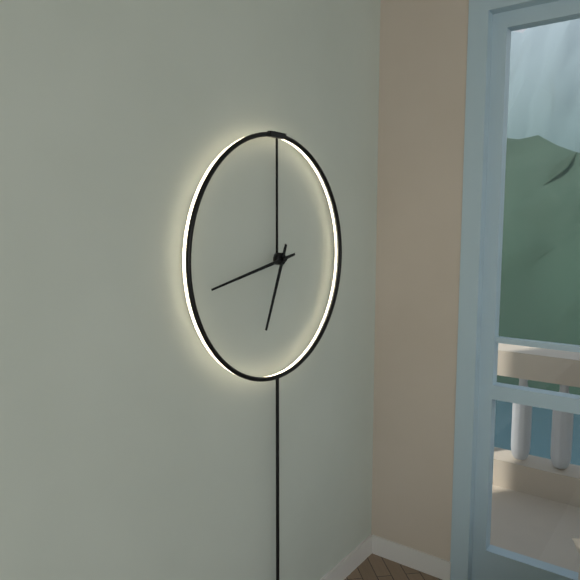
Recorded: h=6 m=43
